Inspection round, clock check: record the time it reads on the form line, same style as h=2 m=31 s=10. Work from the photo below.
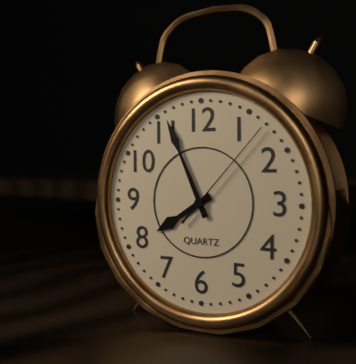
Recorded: h=7 m=56 s=7
